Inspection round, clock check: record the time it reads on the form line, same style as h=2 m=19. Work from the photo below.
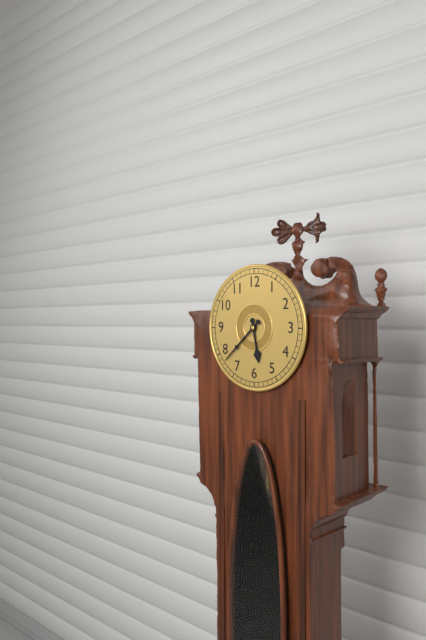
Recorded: h=5 m=38
